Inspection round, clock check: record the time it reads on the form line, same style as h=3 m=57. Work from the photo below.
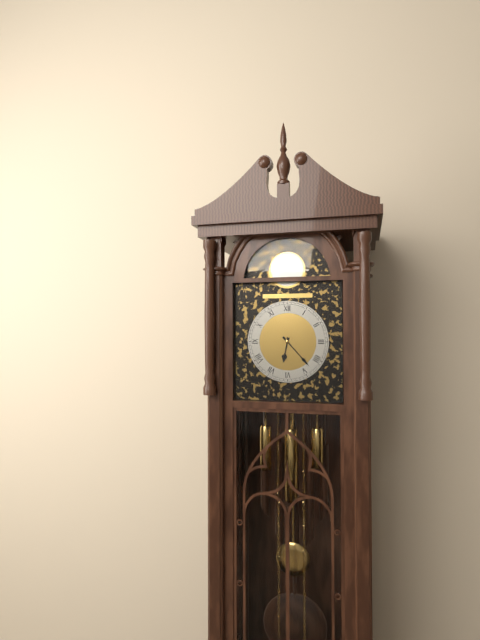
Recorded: h=6 m=23
